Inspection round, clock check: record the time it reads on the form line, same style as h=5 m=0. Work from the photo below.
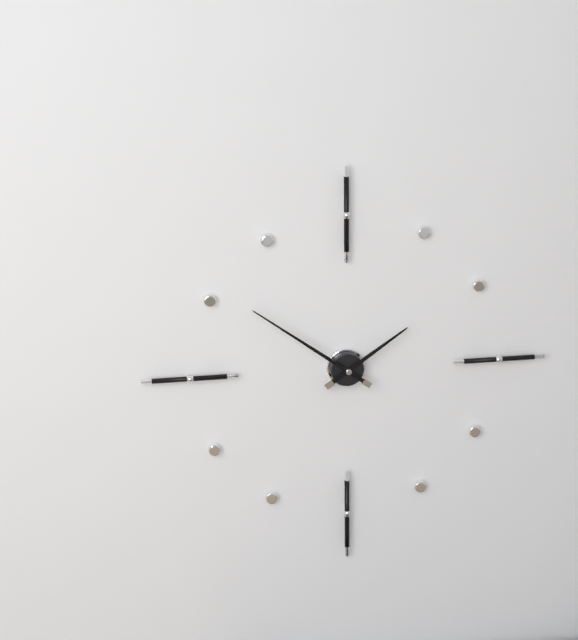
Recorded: h=1 m=51
